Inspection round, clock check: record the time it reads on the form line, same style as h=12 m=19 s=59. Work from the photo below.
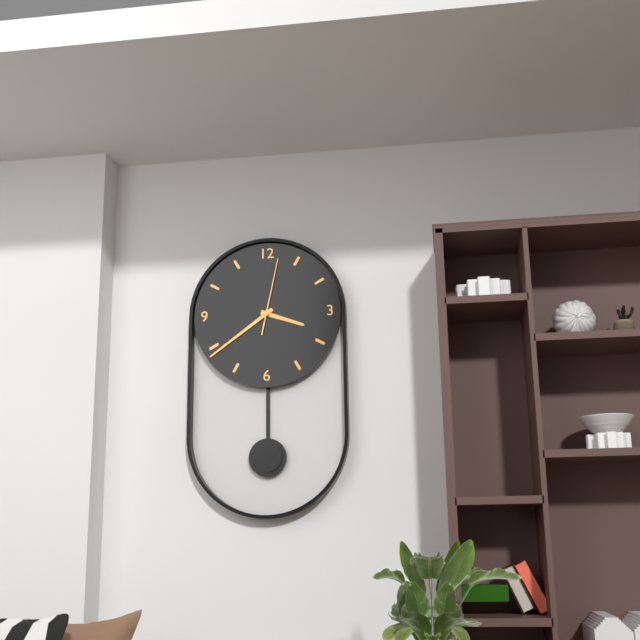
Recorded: h=3 m=39 s=2
